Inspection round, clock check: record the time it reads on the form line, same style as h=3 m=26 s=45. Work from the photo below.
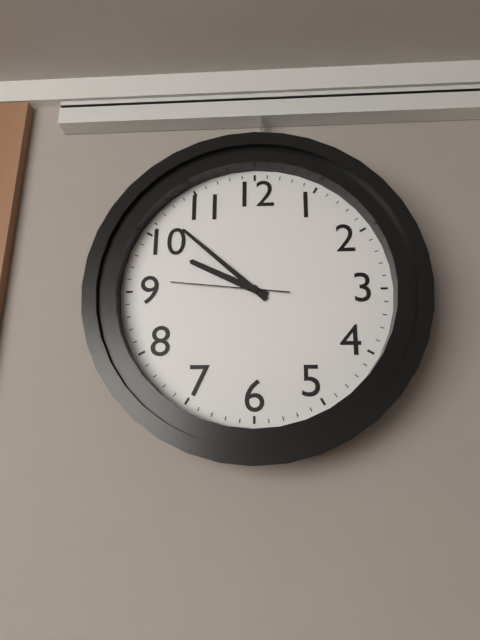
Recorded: h=9 m=52 s=46
